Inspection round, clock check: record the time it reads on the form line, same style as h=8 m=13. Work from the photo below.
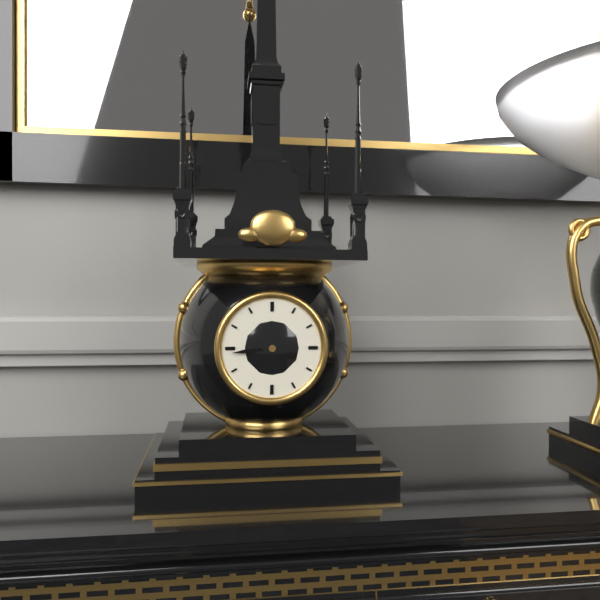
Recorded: h=3 m=44
